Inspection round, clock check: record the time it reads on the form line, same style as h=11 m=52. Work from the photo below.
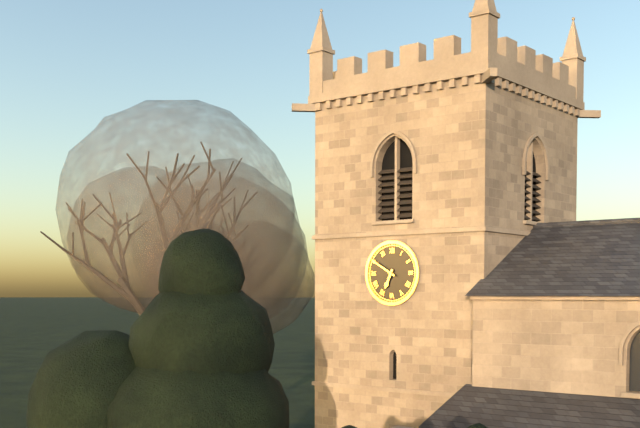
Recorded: h=6 m=50
